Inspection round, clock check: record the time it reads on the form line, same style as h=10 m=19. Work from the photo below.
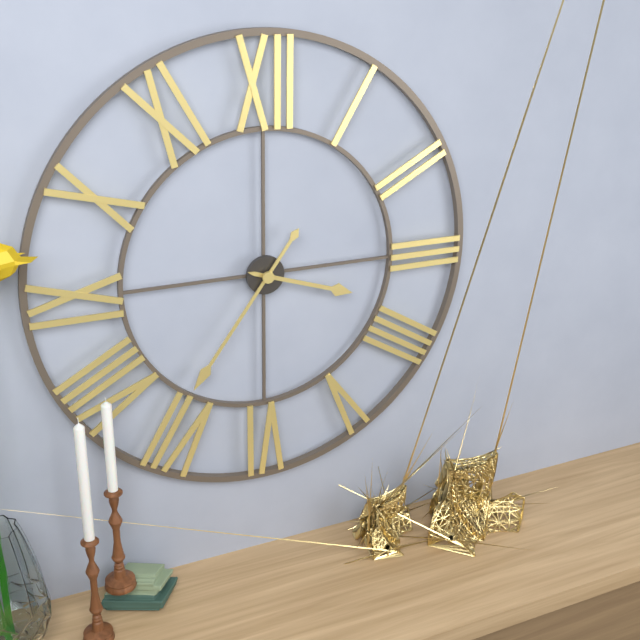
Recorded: h=3 m=36
